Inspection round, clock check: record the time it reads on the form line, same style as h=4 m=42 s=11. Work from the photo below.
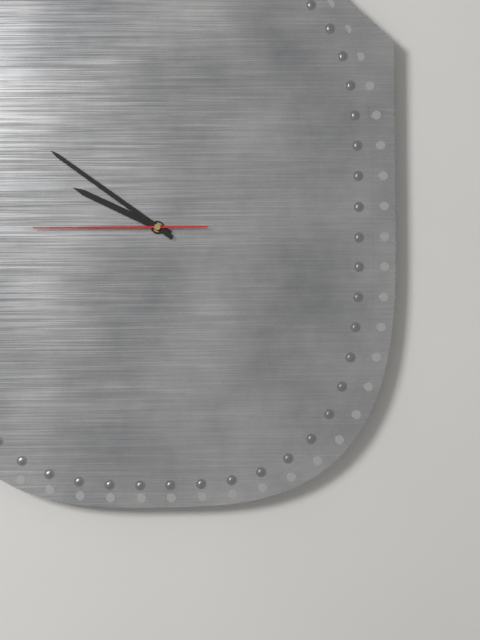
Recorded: h=9 m=51 s=45
